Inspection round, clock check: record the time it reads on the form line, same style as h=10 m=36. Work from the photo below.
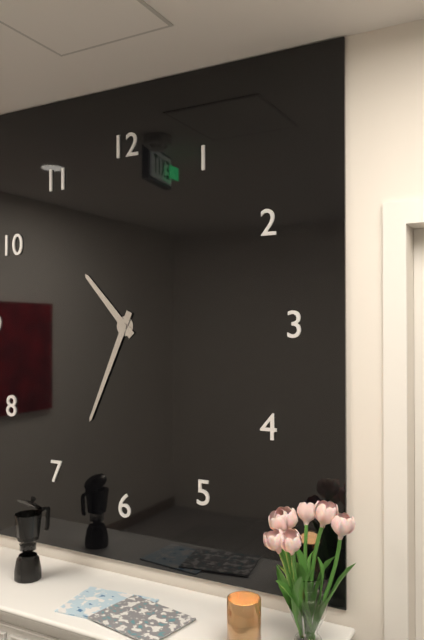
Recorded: h=10 m=34
